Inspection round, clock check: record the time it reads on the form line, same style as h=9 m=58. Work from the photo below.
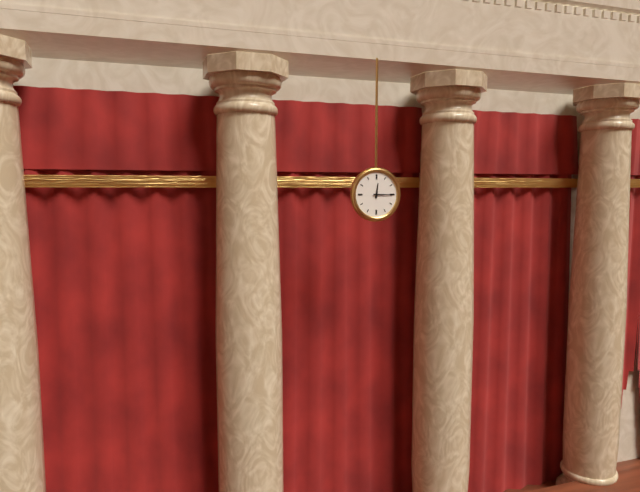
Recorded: h=12 m=15
